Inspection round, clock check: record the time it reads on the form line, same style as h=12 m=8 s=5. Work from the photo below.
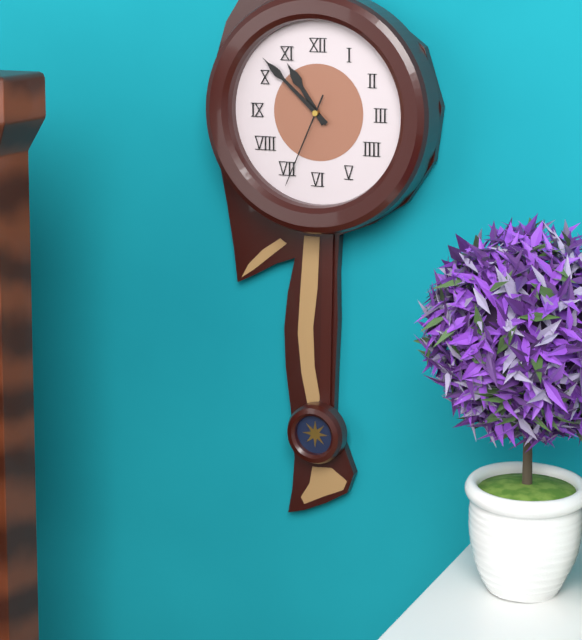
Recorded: h=10 m=52 s=34
